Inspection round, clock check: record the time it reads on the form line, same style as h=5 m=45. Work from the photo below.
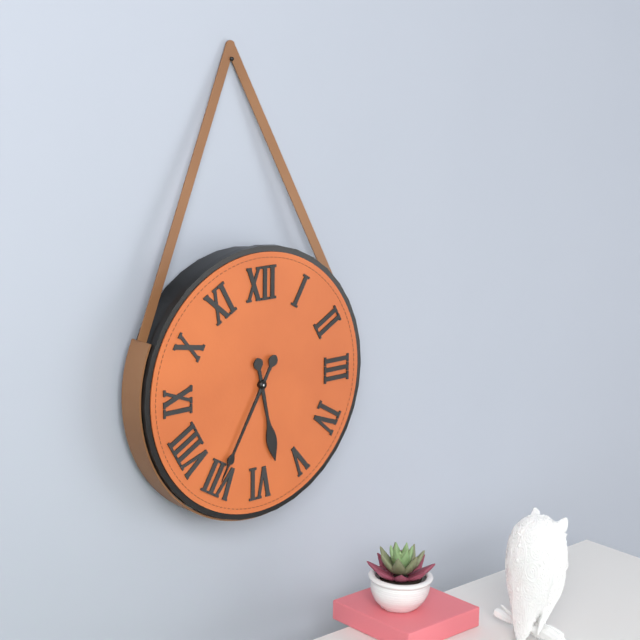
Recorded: h=5 m=35
